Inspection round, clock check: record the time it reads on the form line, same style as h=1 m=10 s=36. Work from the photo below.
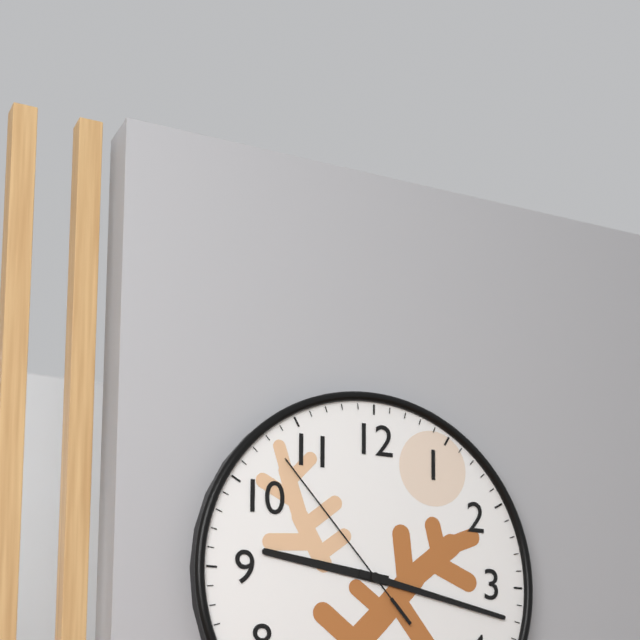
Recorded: h=9 m=17 s=53
